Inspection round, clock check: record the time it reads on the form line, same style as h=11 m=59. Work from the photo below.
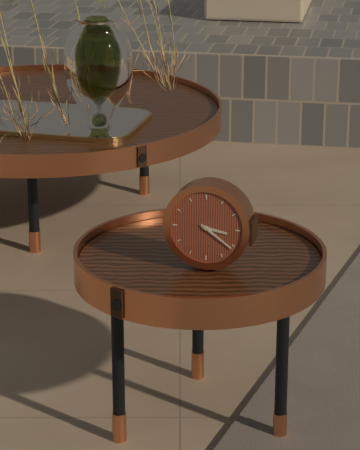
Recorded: h=3 m=21
